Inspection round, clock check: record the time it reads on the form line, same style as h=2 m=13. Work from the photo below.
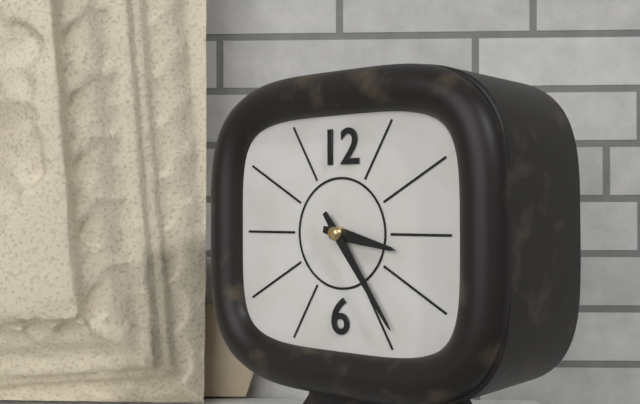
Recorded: h=3 m=24
